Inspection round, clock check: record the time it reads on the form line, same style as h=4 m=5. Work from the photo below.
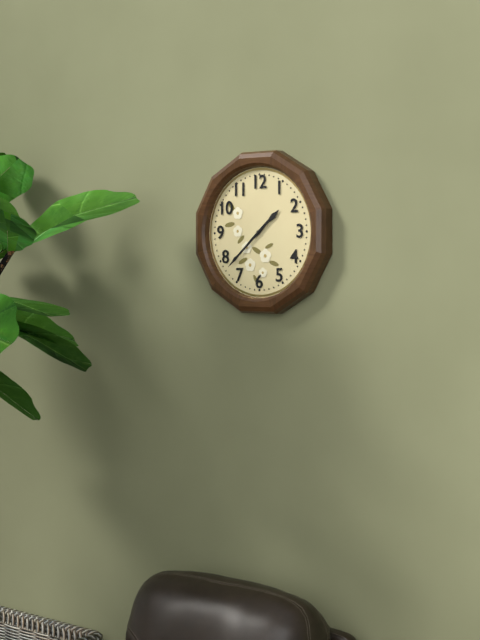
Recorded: h=1 m=38
